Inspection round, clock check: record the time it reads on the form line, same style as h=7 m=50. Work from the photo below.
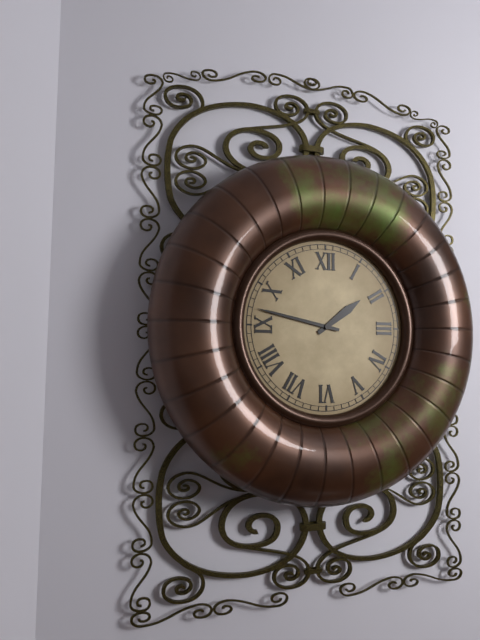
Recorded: h=1 m=47
